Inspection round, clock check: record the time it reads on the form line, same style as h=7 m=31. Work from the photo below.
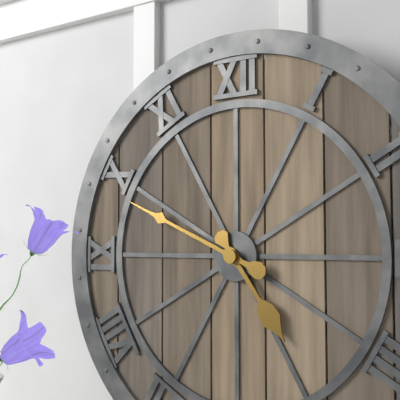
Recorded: h=4 m=49
